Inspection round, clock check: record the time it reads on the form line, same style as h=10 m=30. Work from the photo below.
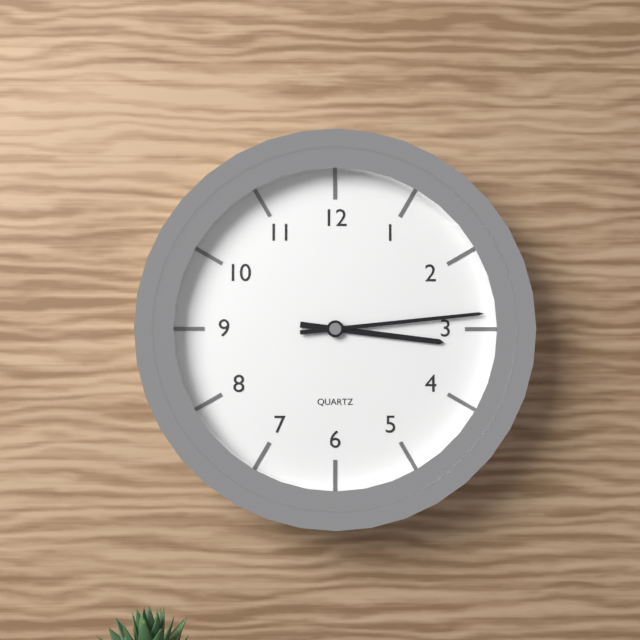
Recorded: h=3 m=14
